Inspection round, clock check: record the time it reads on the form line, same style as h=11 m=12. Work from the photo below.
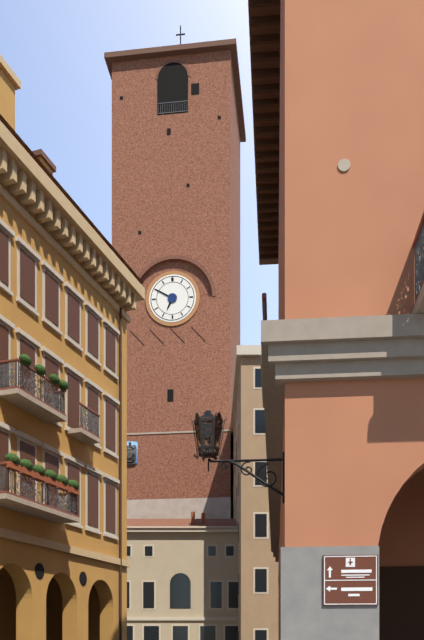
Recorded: h=6 m=50
